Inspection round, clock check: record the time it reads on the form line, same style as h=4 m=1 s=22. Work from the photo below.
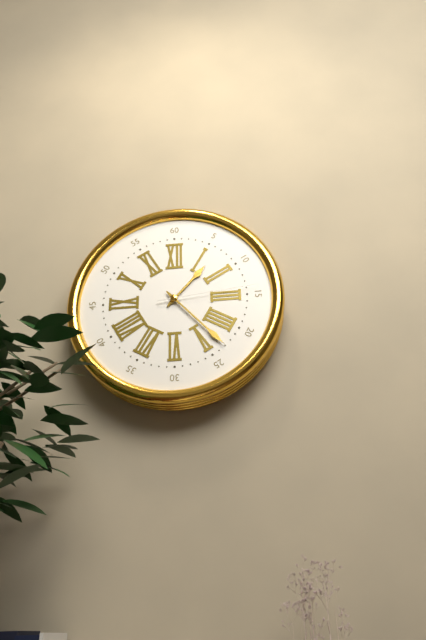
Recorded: h=1 m=23 s=14
